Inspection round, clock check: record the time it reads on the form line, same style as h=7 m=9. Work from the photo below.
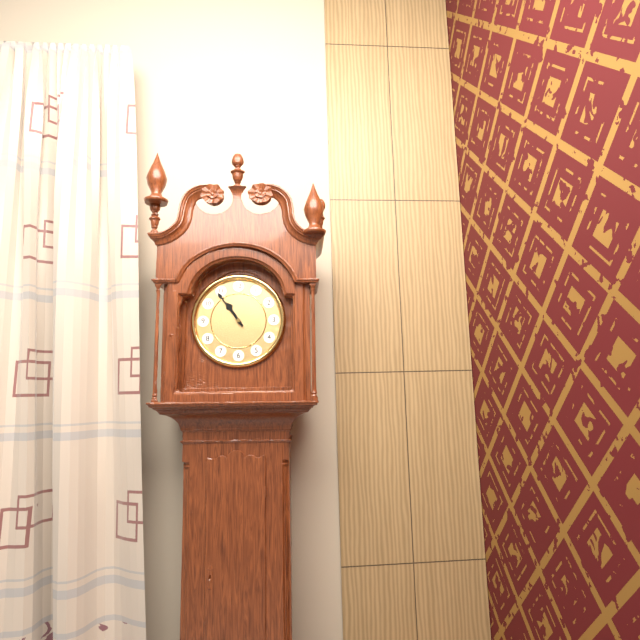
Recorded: h=10 m=54
